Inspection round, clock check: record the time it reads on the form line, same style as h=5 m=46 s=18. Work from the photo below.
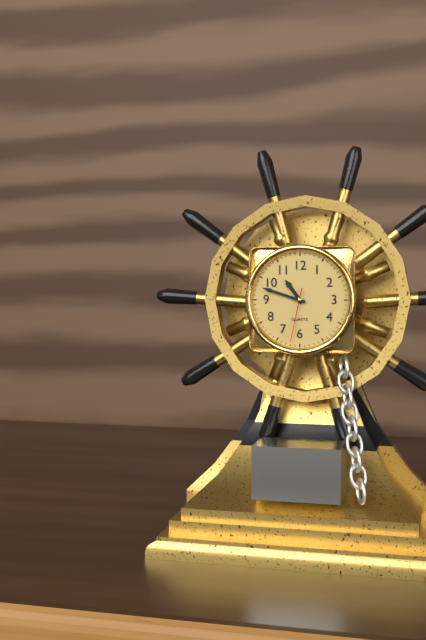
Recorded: h=10 m=48 s=32
